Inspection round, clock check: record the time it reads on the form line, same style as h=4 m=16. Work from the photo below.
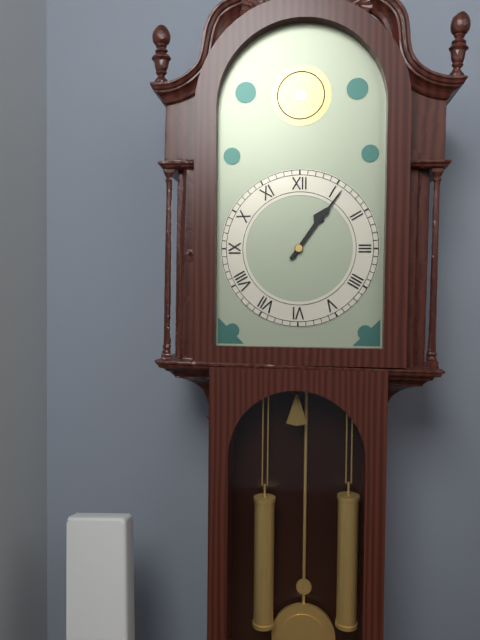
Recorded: h=1 m=6
